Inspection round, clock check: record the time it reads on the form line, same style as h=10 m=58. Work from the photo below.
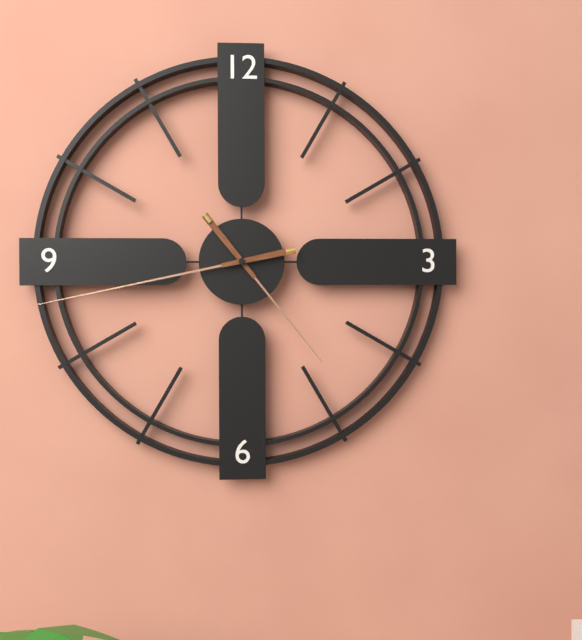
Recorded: h=4 m=43
